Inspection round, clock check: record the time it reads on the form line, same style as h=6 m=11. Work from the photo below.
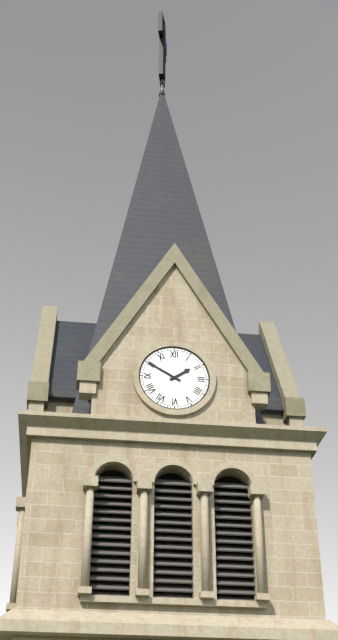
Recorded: h=1 m=50
